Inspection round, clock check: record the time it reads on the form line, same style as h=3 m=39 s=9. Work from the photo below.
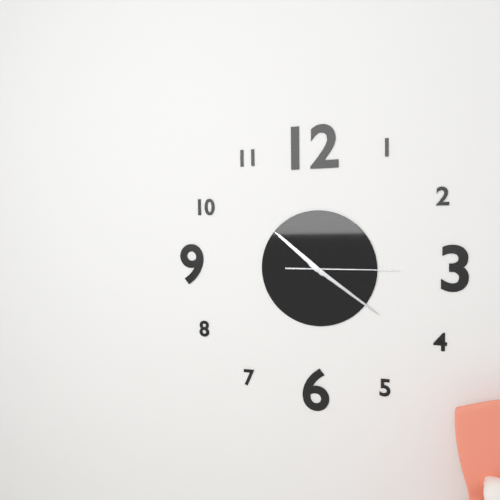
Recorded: h=10 m=21 s=15
